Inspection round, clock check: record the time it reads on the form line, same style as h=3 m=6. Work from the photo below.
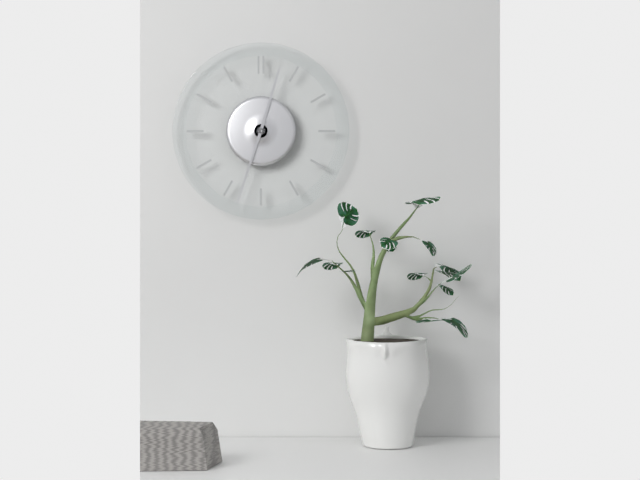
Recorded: h=12 m=33
